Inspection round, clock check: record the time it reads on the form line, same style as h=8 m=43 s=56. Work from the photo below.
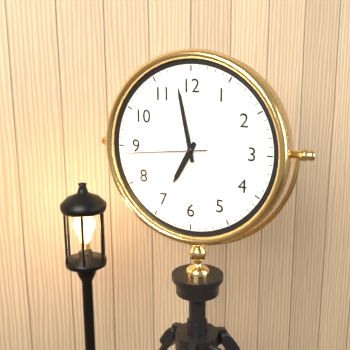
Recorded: h=6 m=58 s=44
